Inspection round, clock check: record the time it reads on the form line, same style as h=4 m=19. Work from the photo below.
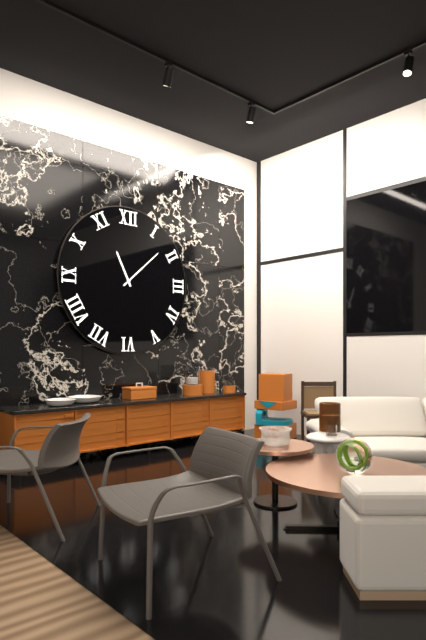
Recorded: h=11 m=8
